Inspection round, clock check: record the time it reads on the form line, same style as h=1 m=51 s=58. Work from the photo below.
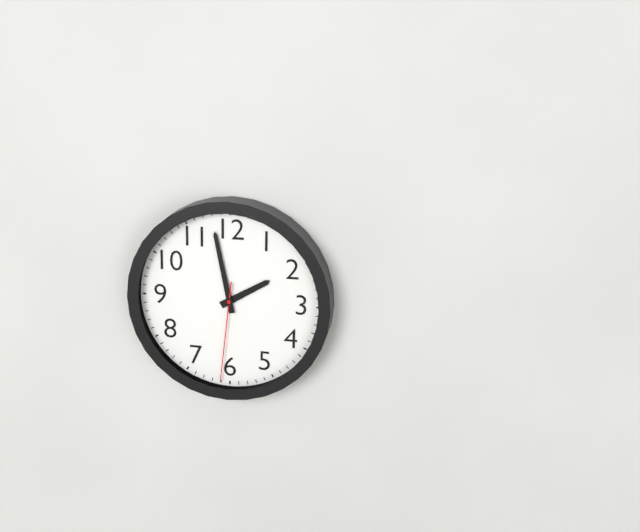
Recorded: h=1 m=58 s=31
